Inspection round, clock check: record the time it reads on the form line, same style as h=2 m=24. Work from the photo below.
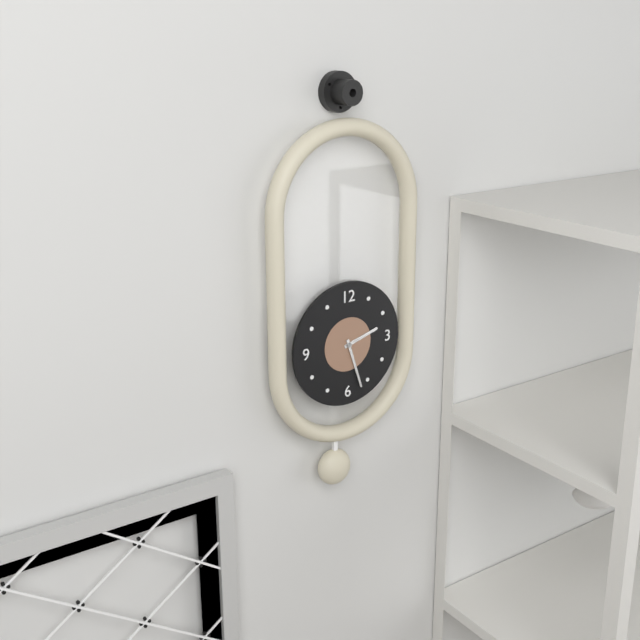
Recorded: h=2 m=27
